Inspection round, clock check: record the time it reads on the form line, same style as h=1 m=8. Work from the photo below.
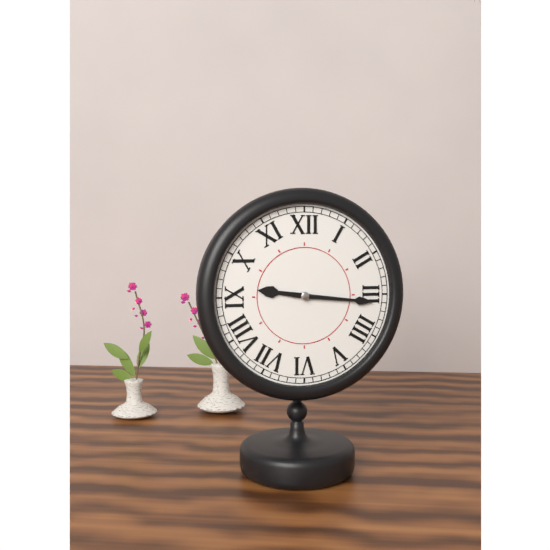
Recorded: h=9 m=16
